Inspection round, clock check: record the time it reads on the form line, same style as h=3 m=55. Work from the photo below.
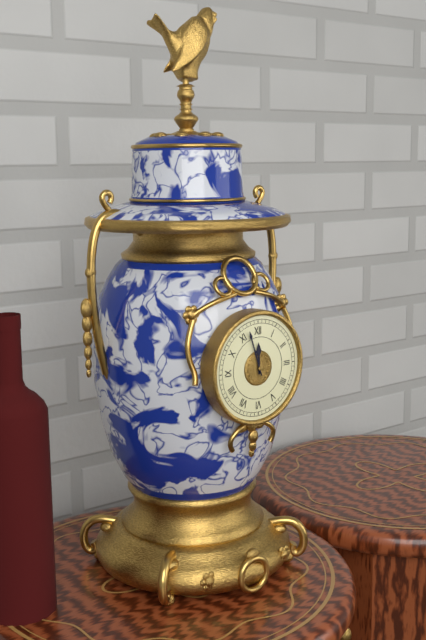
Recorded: h=11 m=57
